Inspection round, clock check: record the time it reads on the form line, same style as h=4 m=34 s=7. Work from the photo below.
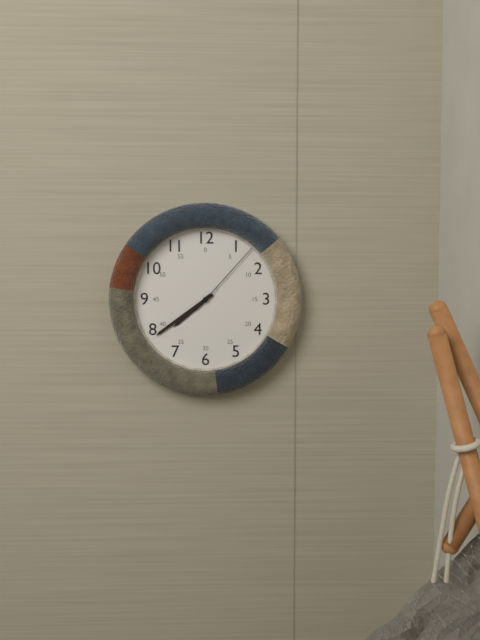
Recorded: h=7 m=39 s=7
